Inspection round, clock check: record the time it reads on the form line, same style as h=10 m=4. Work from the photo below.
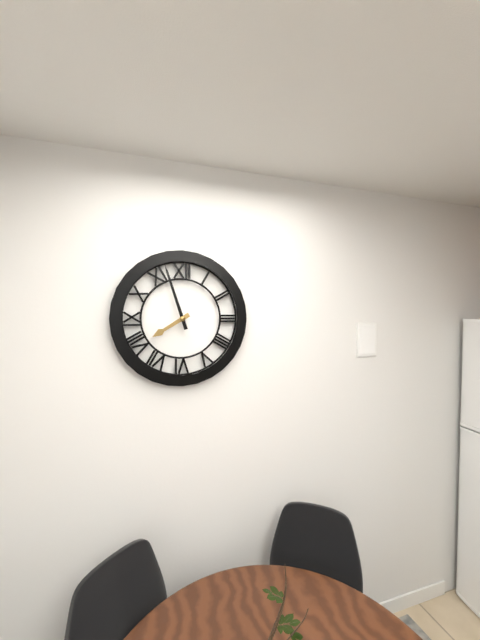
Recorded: h=7 m=57
